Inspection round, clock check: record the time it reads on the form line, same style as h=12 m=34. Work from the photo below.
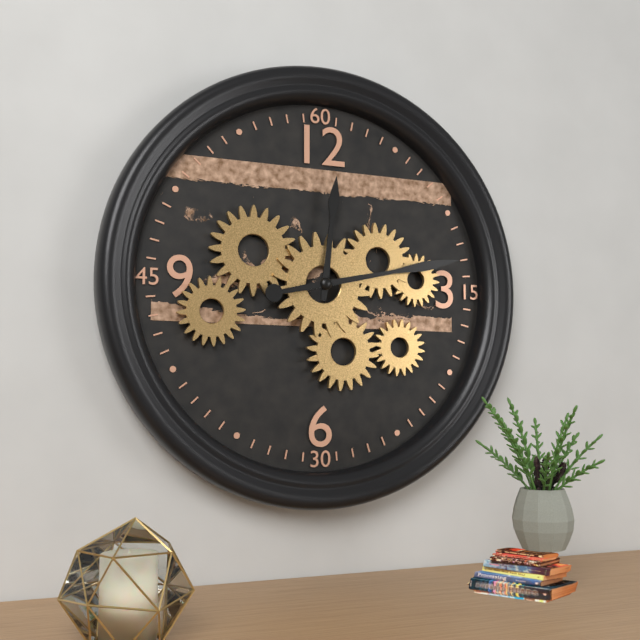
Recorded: h=12 m=13
